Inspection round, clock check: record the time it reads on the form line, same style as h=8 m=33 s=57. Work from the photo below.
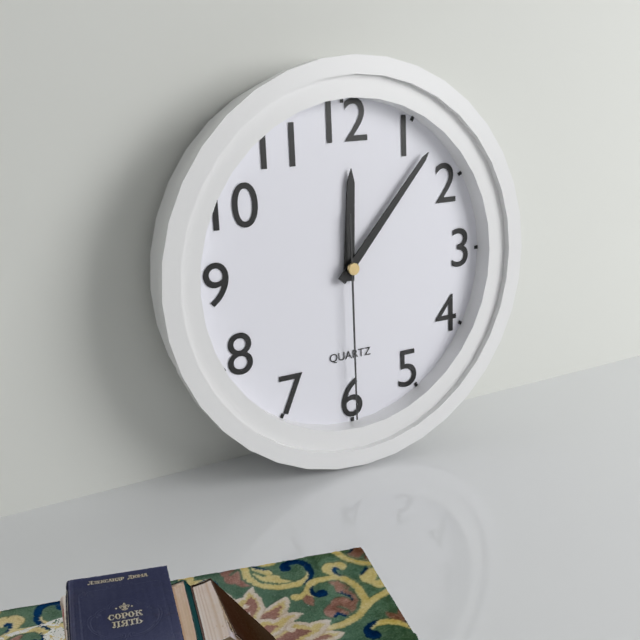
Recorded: h=12 m=7 s=30
